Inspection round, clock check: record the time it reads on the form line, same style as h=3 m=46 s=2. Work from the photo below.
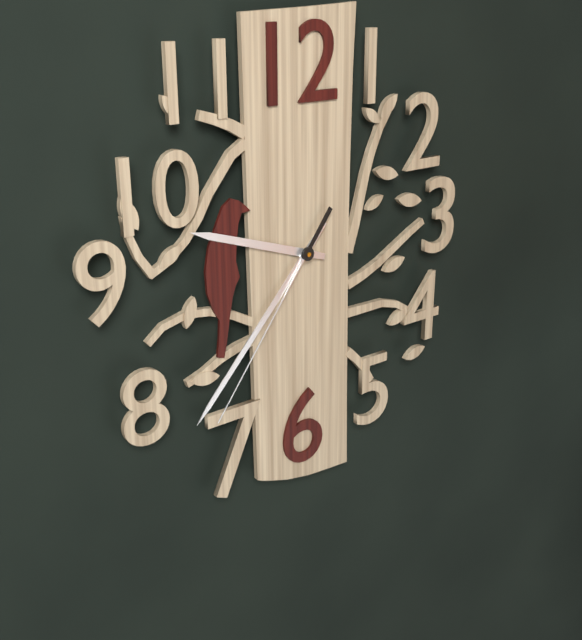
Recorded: h=9 m=37 s=36
